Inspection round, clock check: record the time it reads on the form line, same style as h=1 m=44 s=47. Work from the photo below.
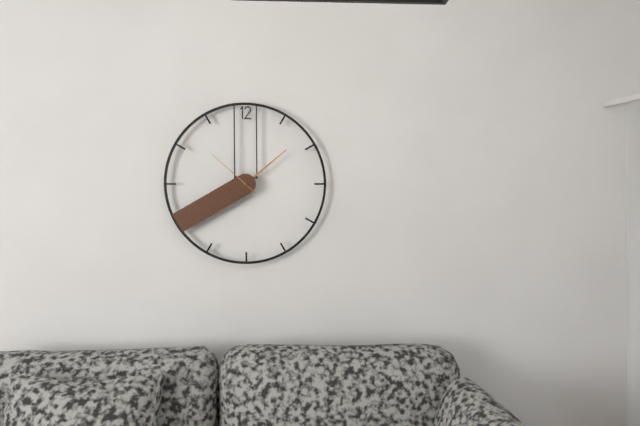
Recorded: h=1 m=40 s=52
